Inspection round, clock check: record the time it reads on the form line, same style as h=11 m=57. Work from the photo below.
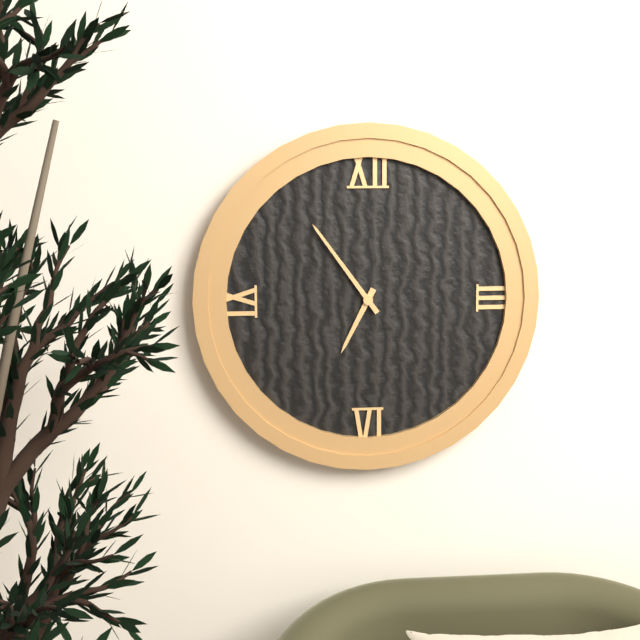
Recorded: h=6 m=54
